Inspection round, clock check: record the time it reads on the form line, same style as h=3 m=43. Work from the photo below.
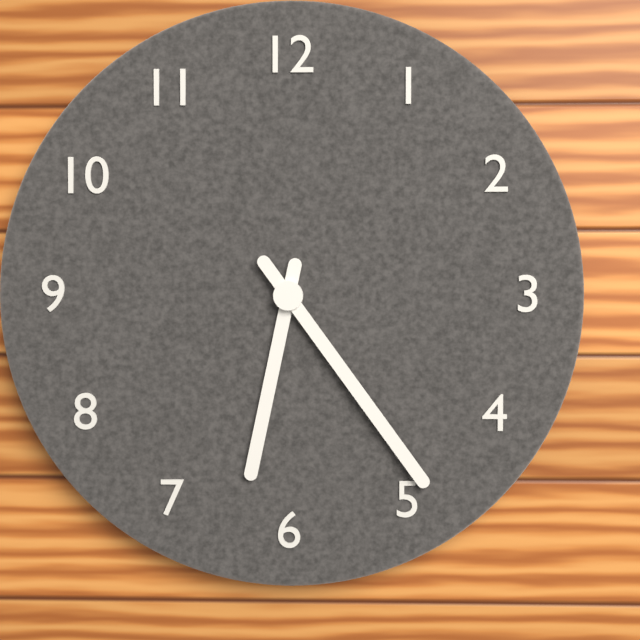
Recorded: h=6 m=24
